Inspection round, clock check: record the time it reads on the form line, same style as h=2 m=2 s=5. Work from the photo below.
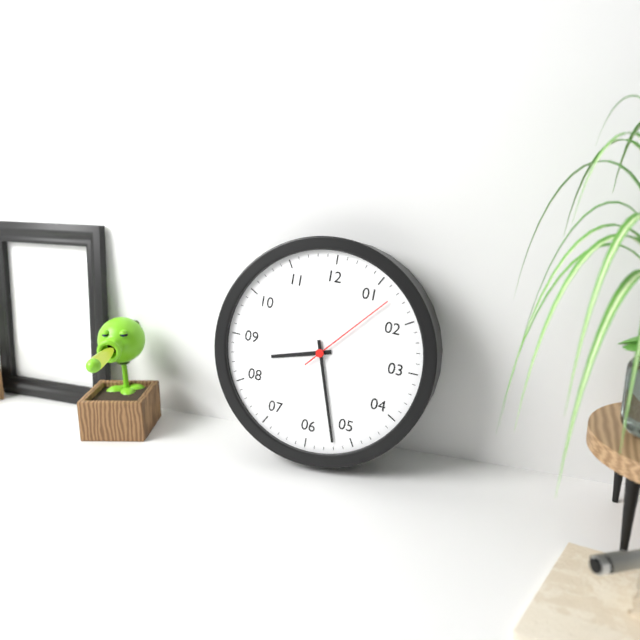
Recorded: h=8 m=27 s=7
